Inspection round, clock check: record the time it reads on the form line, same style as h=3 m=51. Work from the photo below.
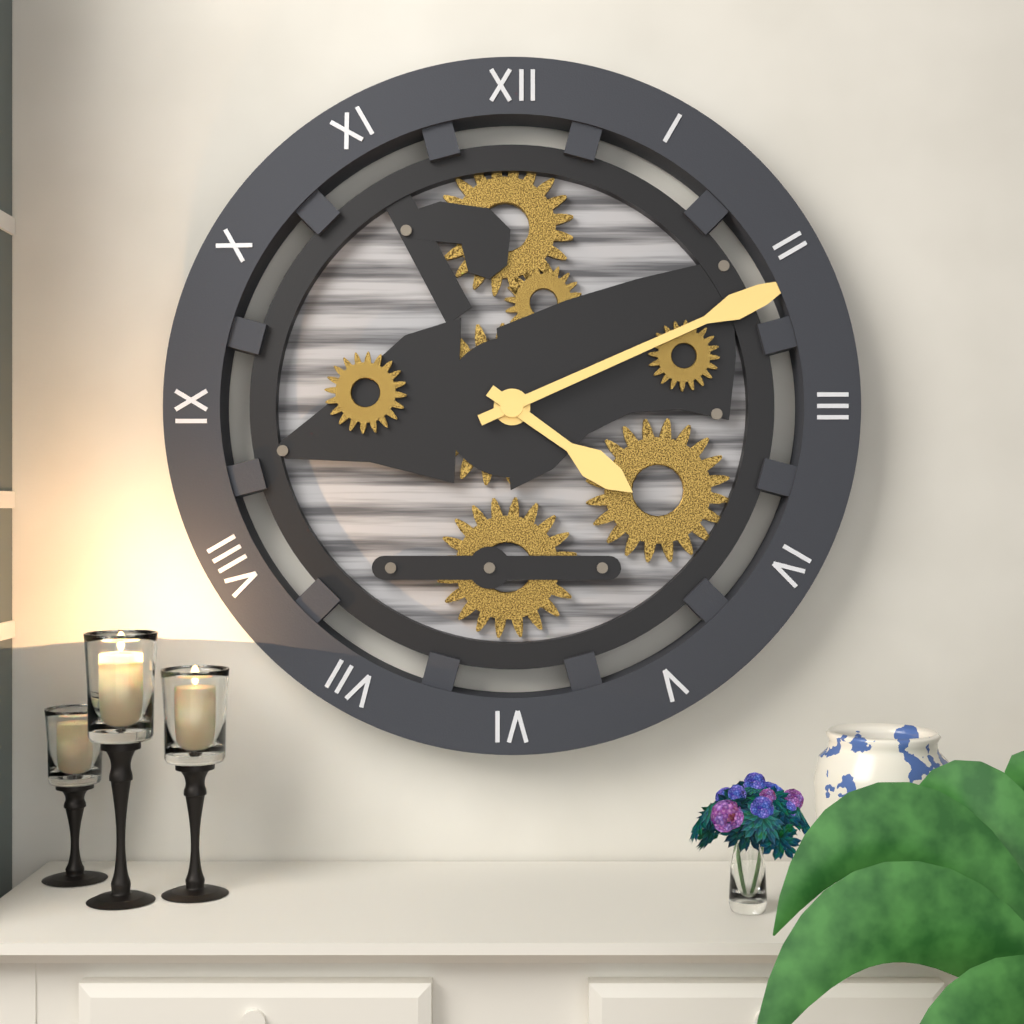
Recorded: h=4 m=11
